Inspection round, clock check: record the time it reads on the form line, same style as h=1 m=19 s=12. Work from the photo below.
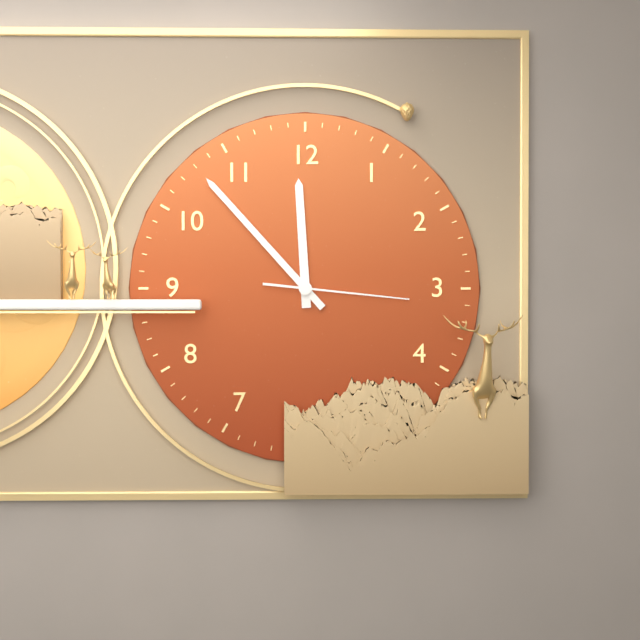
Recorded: h=11 m=53 s=16
